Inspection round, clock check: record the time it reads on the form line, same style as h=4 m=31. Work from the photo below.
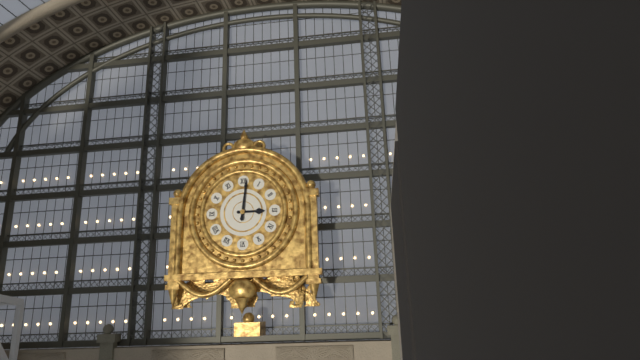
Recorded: h=3 m=1
